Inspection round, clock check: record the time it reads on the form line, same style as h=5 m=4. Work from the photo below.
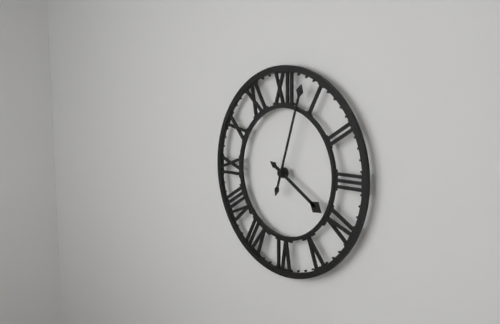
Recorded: h=4 m=3
